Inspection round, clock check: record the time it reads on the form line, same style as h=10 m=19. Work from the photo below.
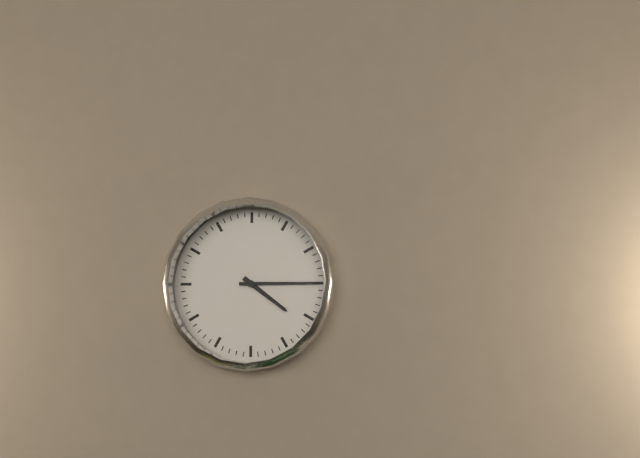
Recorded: h=4 m=15
